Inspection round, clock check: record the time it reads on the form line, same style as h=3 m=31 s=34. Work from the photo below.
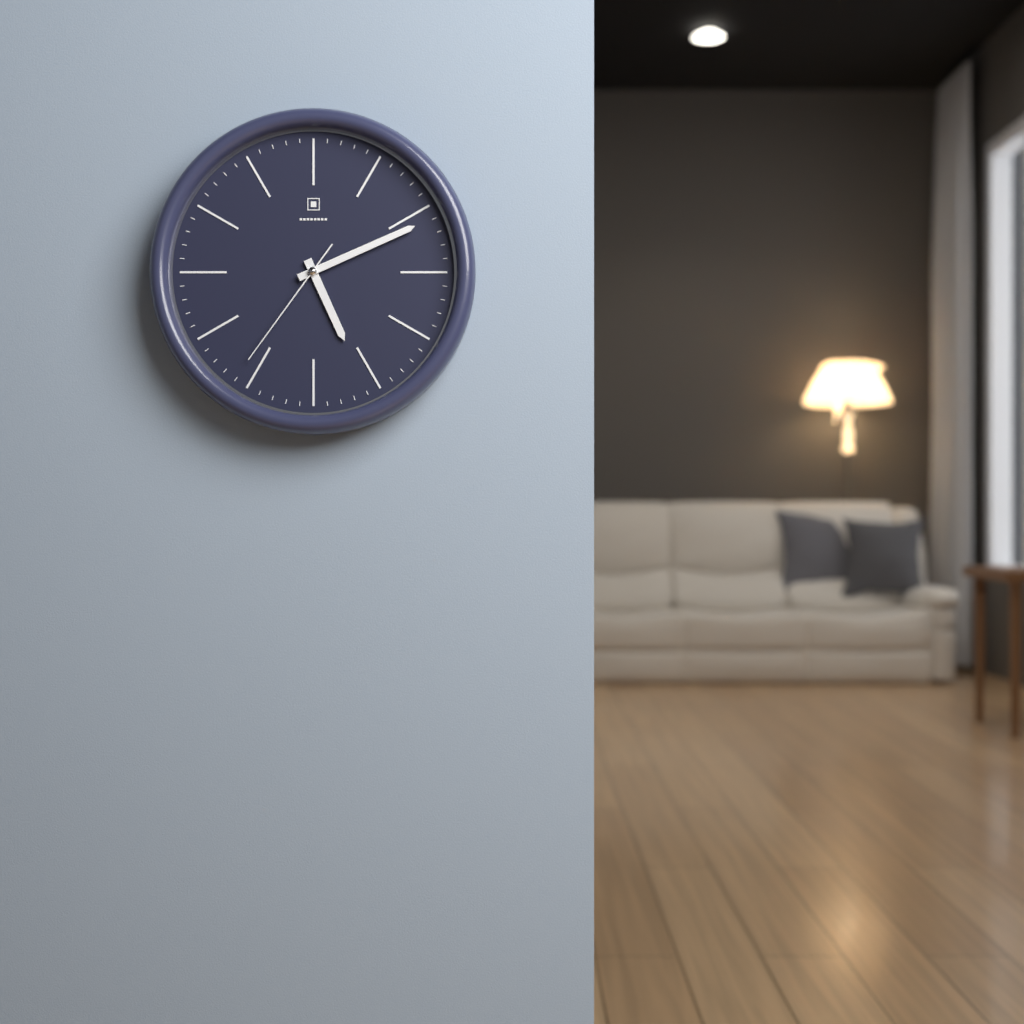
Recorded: h=5 m=11 s=36
